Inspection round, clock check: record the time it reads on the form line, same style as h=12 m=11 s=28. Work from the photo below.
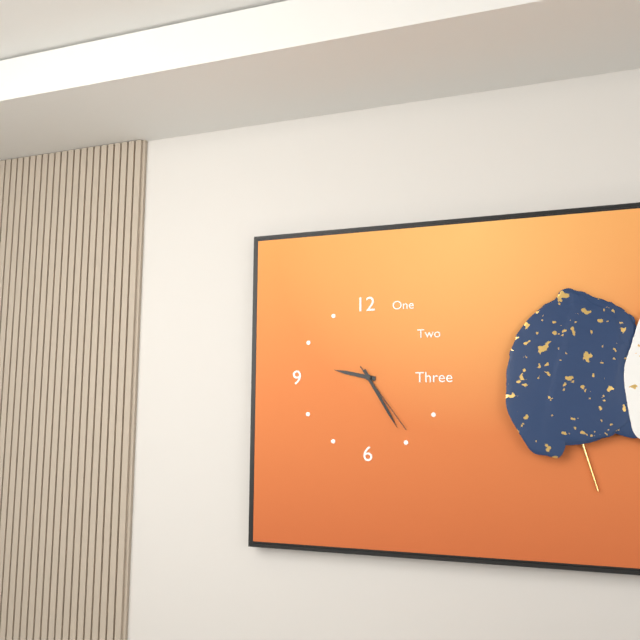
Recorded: h=9 m=25 s=24
